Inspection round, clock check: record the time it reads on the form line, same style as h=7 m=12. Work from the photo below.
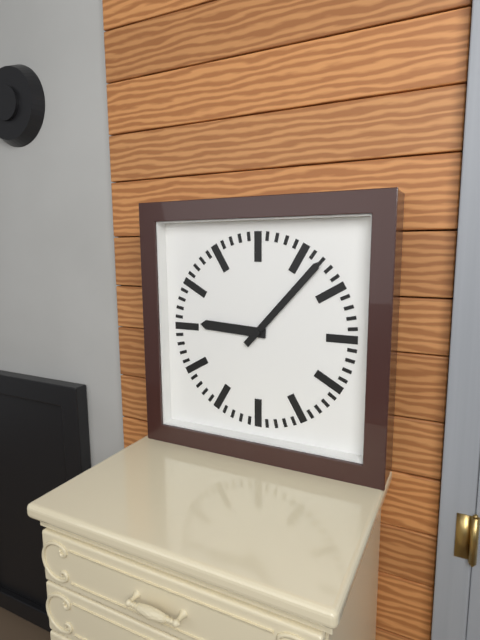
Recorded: h=9 m=7
